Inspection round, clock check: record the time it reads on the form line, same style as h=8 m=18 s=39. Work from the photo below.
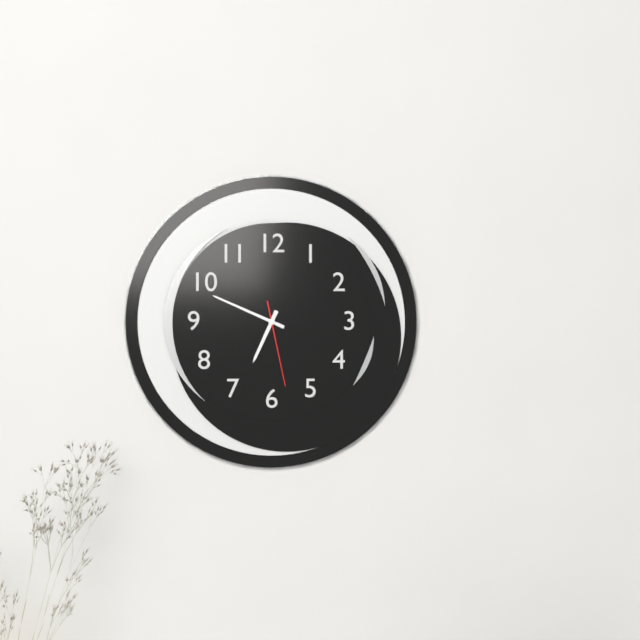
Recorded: h=6 m=49 s=28
